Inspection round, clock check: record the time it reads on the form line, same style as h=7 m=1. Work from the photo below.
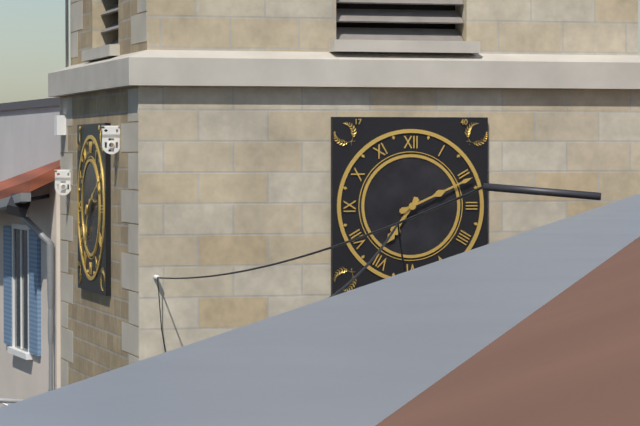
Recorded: h=7 m=11
